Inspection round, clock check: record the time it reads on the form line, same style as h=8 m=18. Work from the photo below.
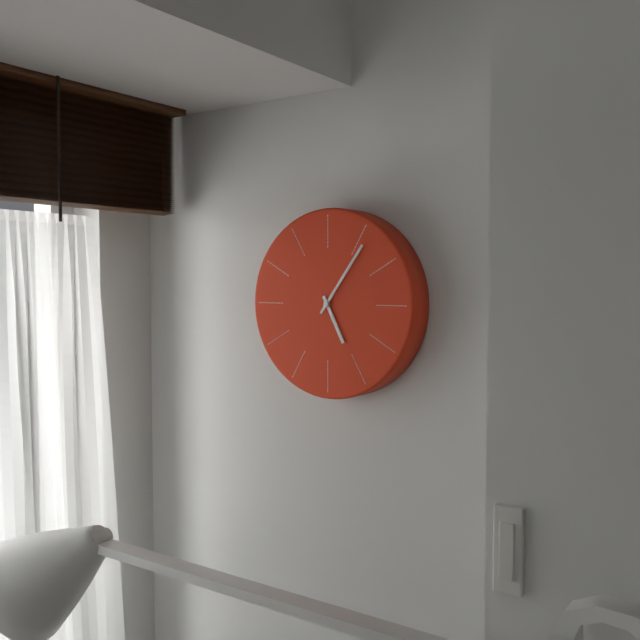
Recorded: h=5 m=6
